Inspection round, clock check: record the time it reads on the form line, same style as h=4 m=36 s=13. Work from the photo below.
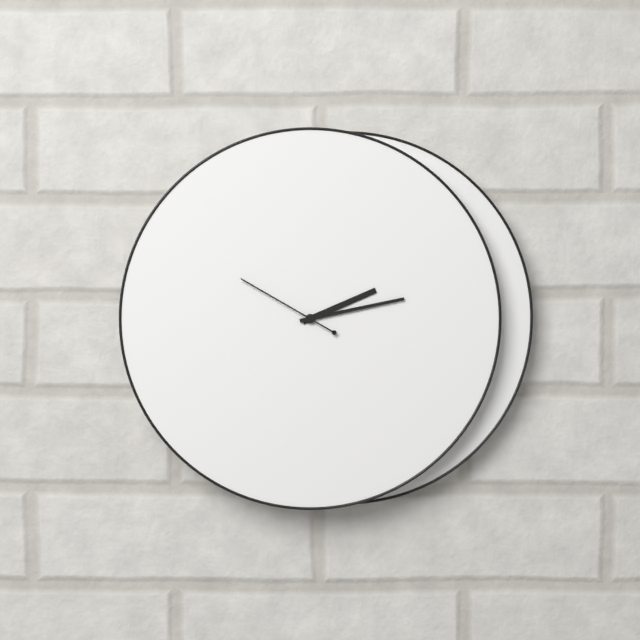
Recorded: h=2 m=13 s=50
